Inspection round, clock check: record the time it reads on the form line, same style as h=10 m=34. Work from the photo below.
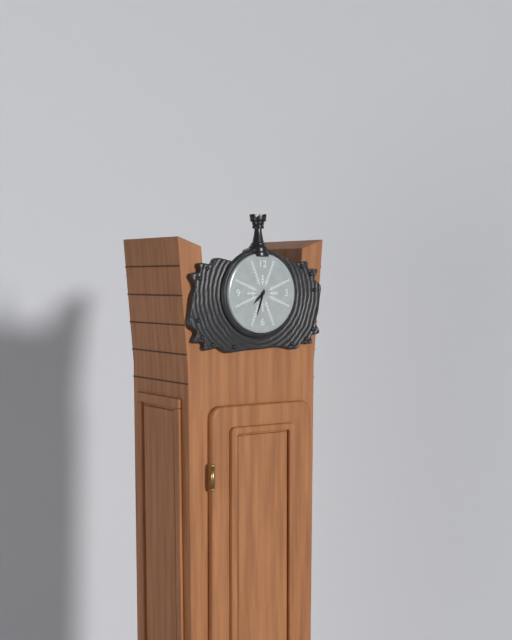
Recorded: h=7 m=33
